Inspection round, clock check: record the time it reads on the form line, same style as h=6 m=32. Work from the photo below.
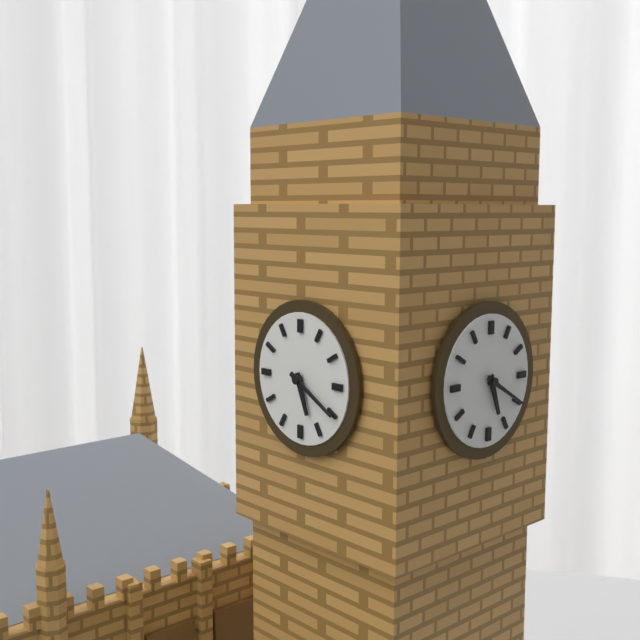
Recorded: h=5 m=20
